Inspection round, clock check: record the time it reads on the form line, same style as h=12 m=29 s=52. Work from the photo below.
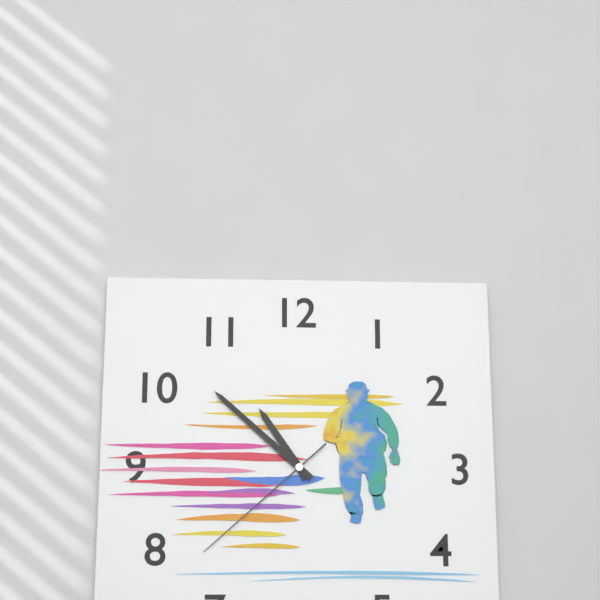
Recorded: h=10 m=52 s=38
